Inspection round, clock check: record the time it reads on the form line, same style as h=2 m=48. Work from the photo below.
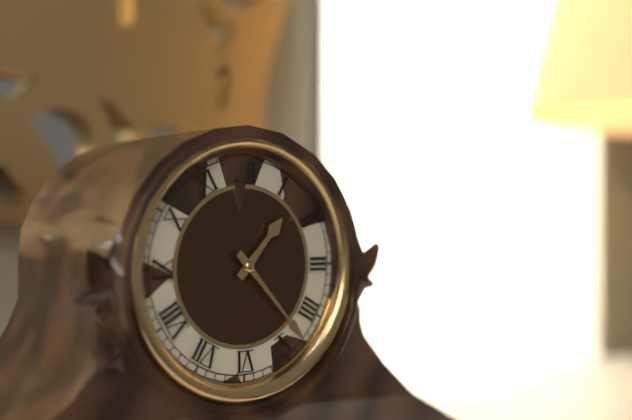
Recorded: h=1 m=23
